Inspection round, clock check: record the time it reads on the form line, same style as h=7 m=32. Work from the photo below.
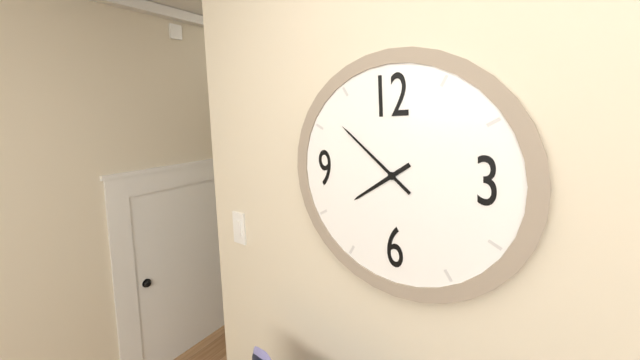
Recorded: h=7 m=52
